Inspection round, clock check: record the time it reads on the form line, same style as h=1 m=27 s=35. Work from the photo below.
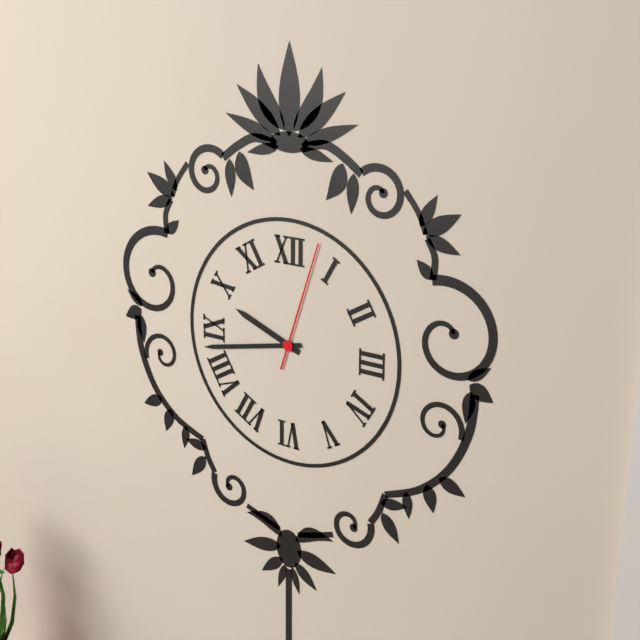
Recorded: h=9 m=43 s=3
